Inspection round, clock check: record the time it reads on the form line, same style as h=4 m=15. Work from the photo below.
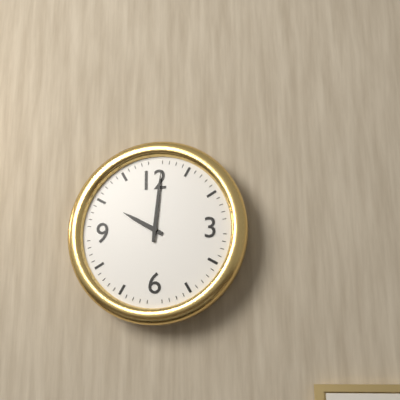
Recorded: h=10 m=1
